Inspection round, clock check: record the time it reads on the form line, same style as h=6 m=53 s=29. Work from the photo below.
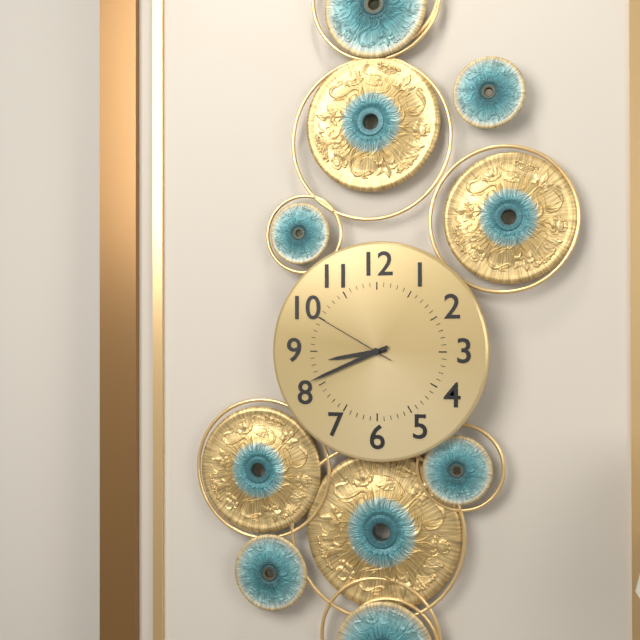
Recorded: h=8 m=41 s=50
